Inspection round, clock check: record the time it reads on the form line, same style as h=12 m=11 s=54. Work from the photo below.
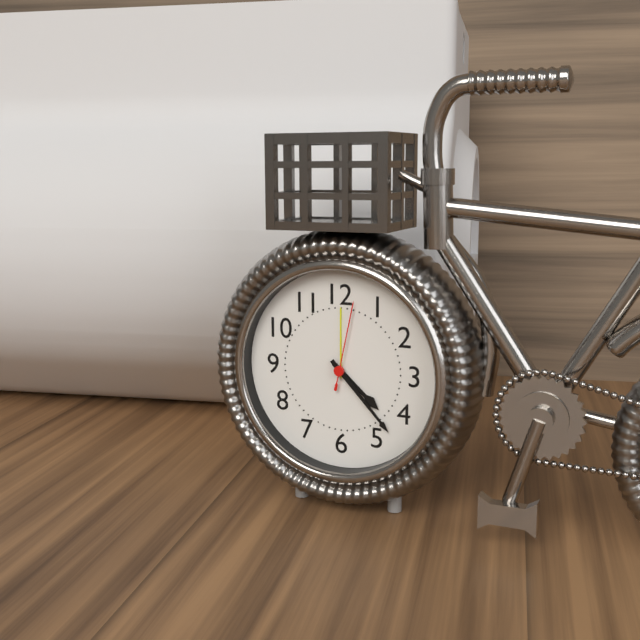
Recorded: h=4 m=23 s=2
